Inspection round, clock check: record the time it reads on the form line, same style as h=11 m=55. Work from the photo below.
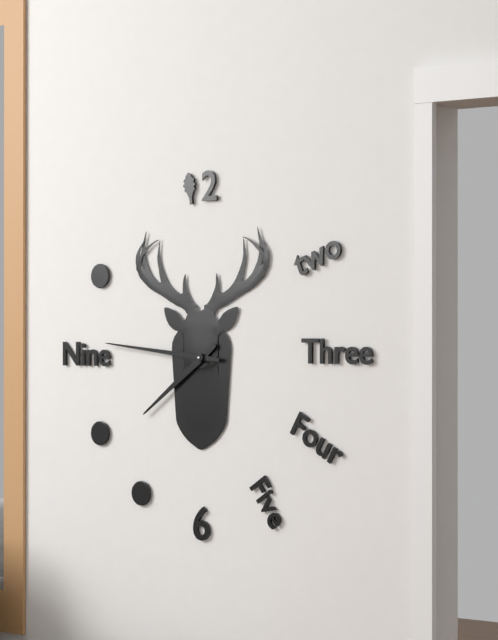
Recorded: h=7 m=46
